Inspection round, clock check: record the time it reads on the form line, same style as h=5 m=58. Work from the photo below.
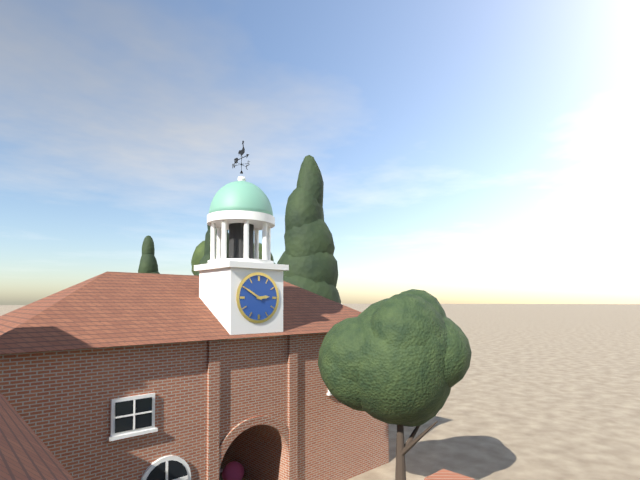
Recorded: h=2 m=50
